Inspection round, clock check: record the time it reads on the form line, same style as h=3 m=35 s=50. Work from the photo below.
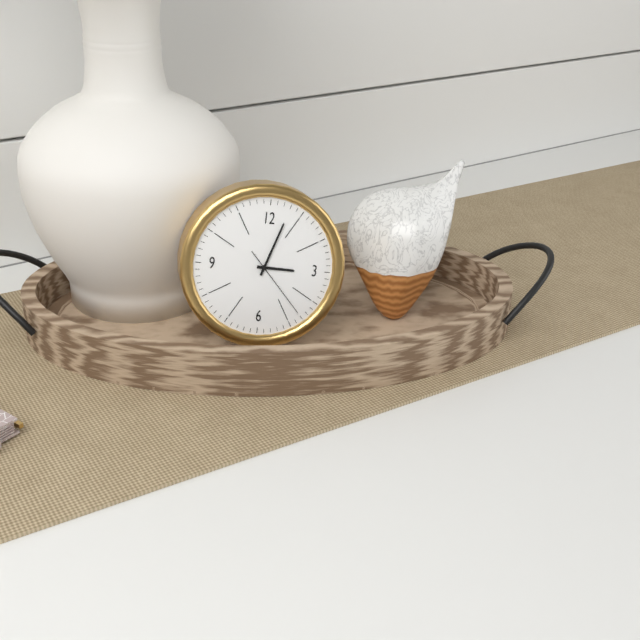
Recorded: h=3 m=3 s=23
